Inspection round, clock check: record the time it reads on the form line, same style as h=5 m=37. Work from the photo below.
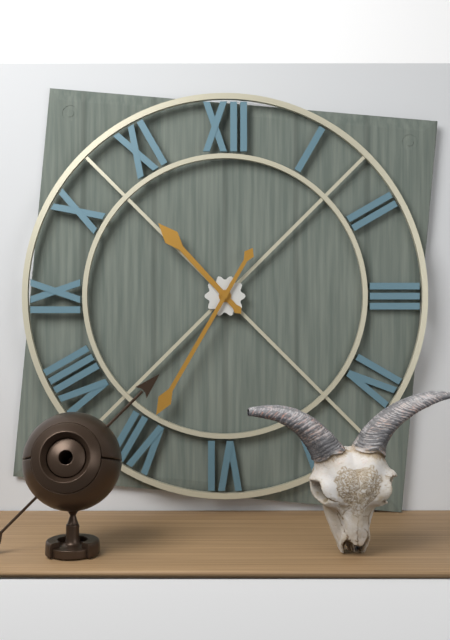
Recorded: h=10 m=35
